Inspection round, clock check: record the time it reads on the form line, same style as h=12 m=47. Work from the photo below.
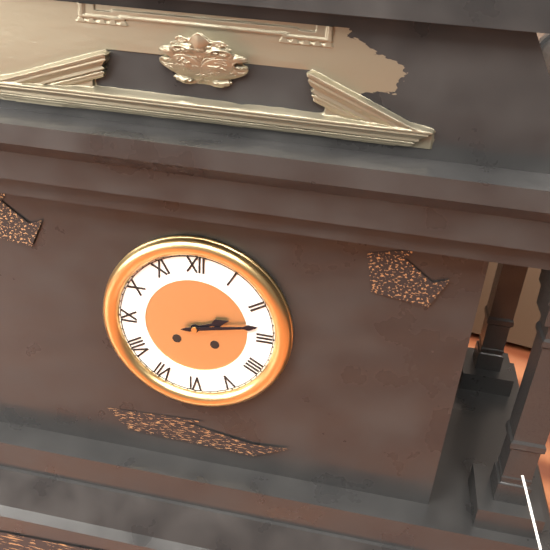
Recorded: h=2 m=13
